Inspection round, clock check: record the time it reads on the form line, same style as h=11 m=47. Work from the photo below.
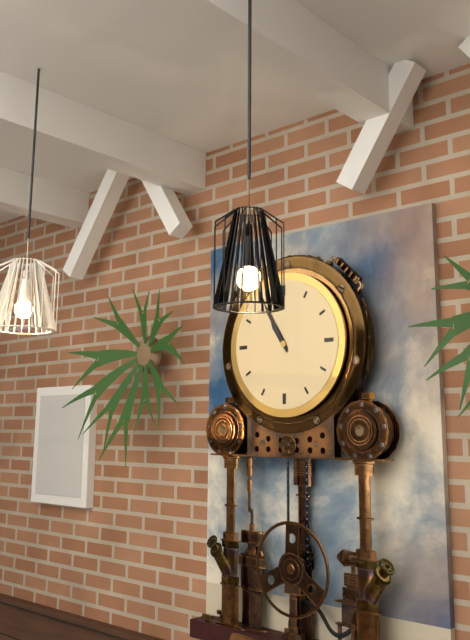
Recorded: h=10 m=55
